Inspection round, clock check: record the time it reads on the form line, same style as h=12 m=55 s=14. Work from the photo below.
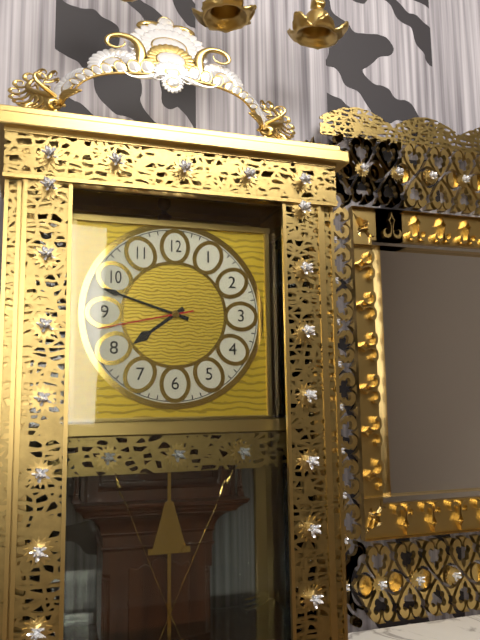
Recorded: h=7 m=48 s=43
